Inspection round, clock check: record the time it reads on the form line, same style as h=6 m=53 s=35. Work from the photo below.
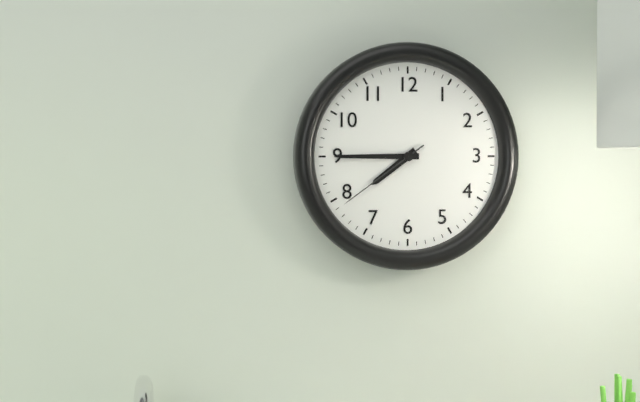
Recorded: h=7 m=45 s=39
